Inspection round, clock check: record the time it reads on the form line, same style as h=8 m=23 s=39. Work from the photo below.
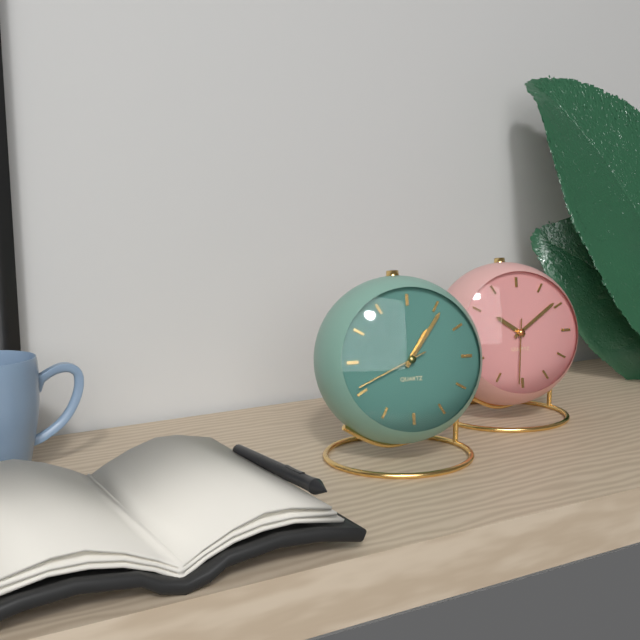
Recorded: h=1 m=6 s=41
